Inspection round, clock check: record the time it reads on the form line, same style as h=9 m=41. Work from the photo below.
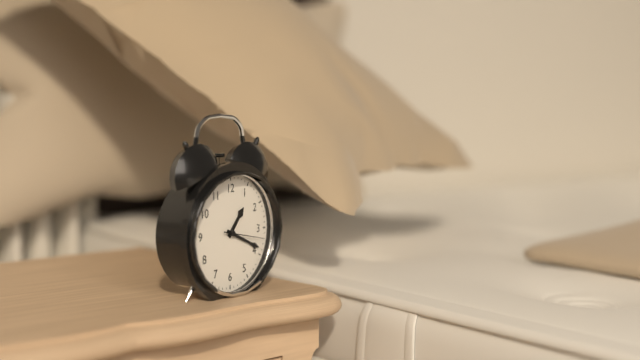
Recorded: h=1 m=19
